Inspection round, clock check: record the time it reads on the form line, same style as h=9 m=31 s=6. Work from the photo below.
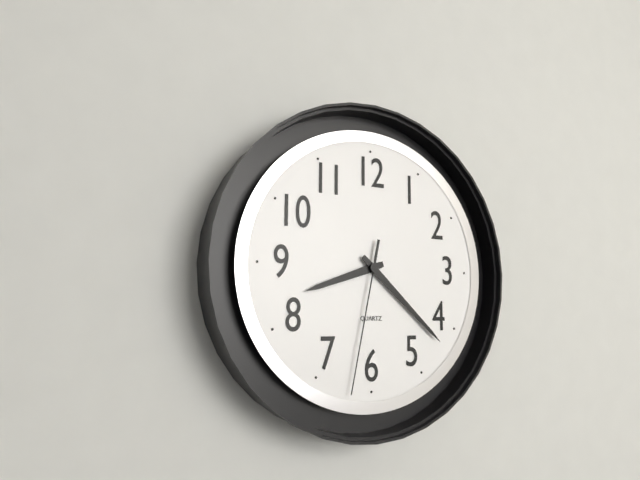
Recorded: h=8 m=22 s=32
